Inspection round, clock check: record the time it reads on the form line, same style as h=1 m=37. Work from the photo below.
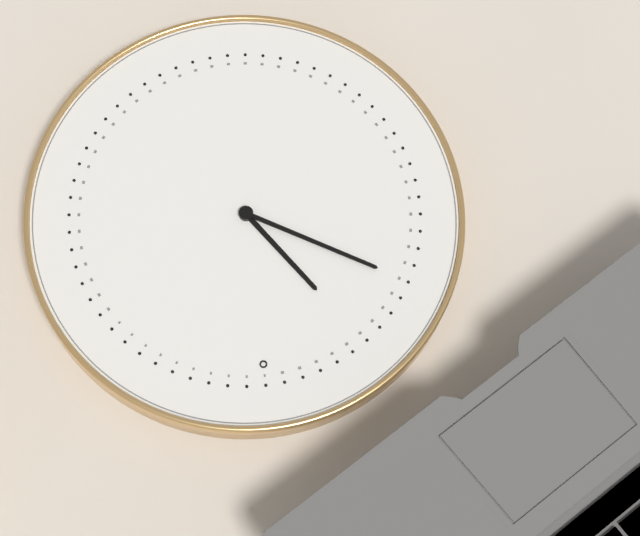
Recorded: h=10 m=50
